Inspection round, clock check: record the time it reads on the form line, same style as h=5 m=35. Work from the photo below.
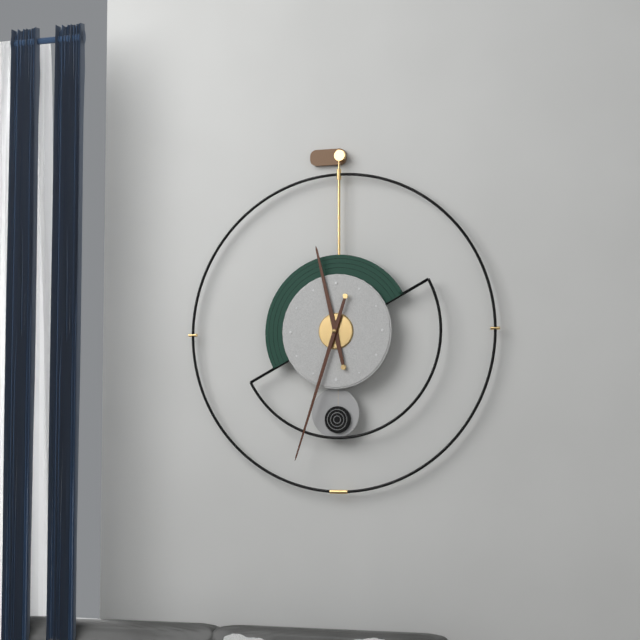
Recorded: h=11 m=33
